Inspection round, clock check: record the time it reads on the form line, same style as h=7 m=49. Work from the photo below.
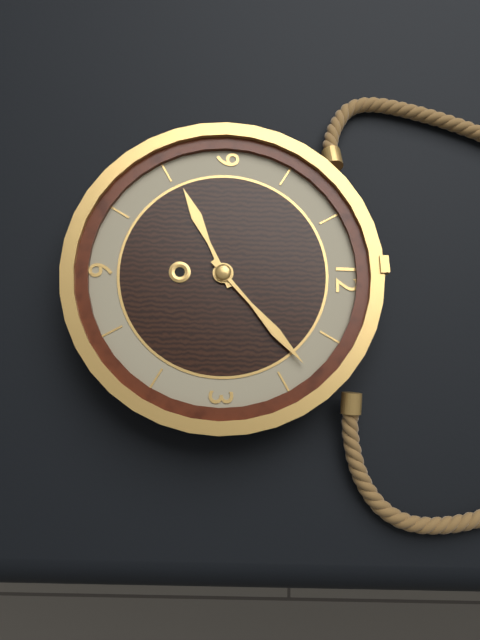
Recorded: h=8 m=8
